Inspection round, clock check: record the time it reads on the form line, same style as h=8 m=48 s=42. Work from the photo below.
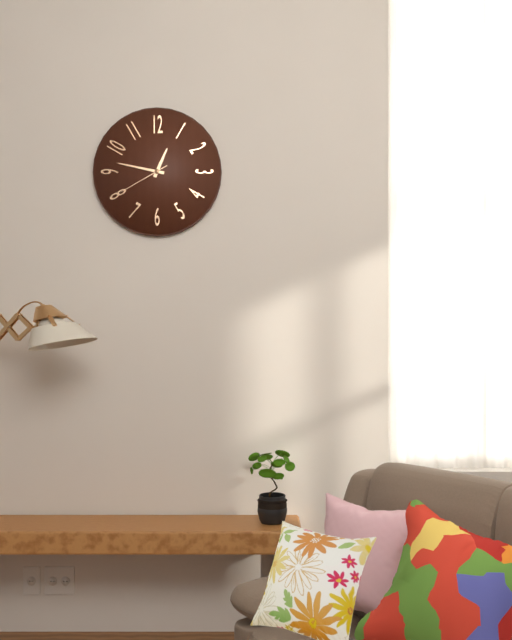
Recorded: h=12 m=47 s=40
